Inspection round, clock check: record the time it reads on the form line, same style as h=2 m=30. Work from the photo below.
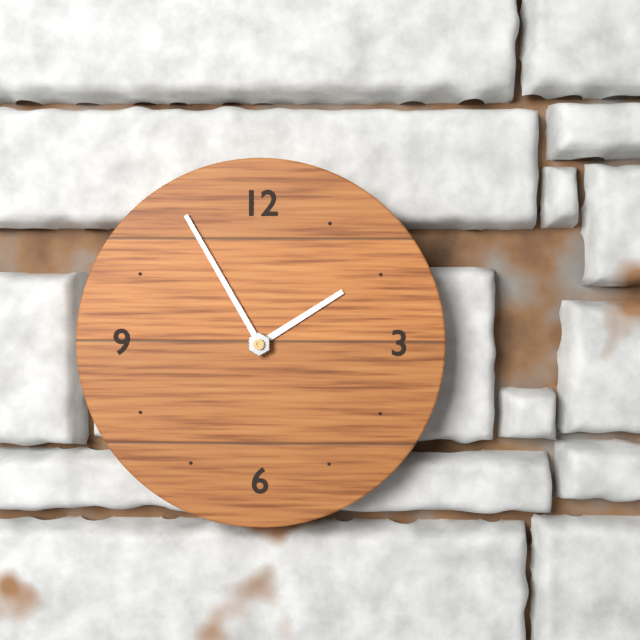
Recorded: h=1 m=55
